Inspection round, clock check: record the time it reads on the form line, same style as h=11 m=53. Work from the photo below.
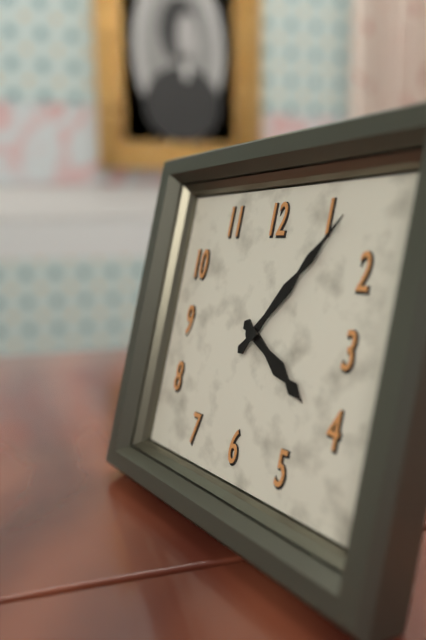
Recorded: h=4 m=6
